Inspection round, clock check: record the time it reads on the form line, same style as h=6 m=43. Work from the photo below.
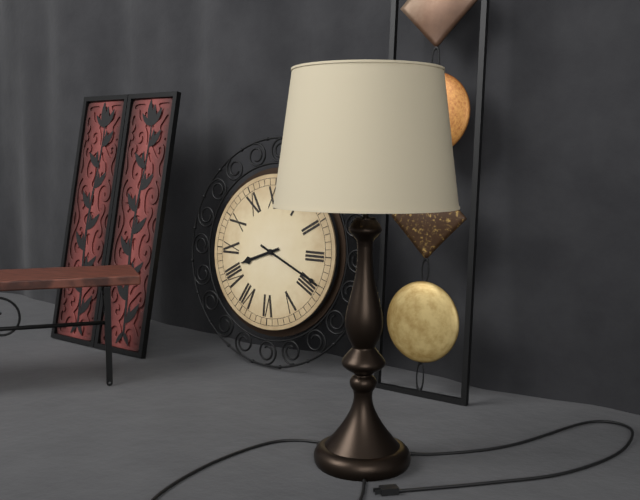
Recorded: h=8 m=19
